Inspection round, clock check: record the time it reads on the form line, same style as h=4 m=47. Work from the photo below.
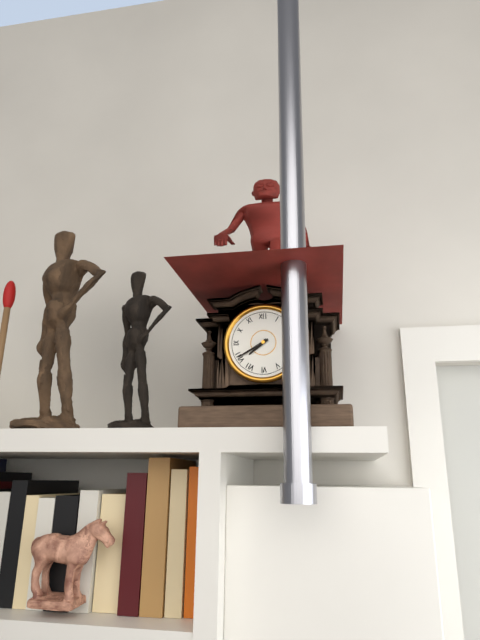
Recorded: h=7 m=40
